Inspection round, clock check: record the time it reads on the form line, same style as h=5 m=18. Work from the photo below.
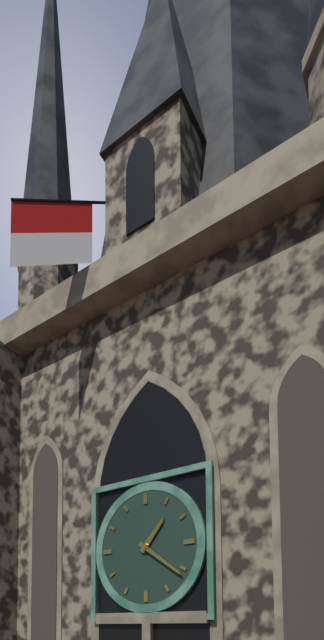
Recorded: h=1 m=21
